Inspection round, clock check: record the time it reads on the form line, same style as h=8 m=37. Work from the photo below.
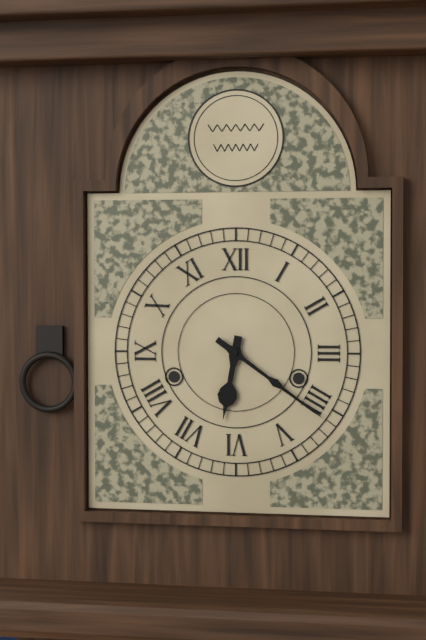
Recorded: h=6 m=21
